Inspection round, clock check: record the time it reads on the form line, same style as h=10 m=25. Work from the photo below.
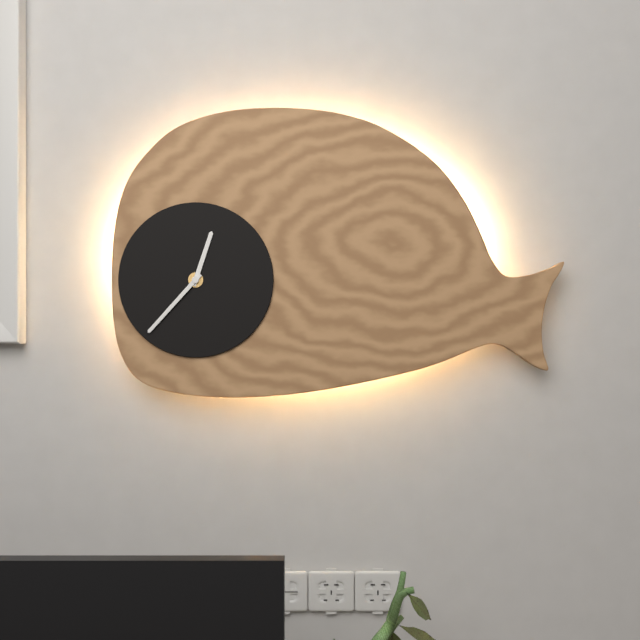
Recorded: h=12 m=37
